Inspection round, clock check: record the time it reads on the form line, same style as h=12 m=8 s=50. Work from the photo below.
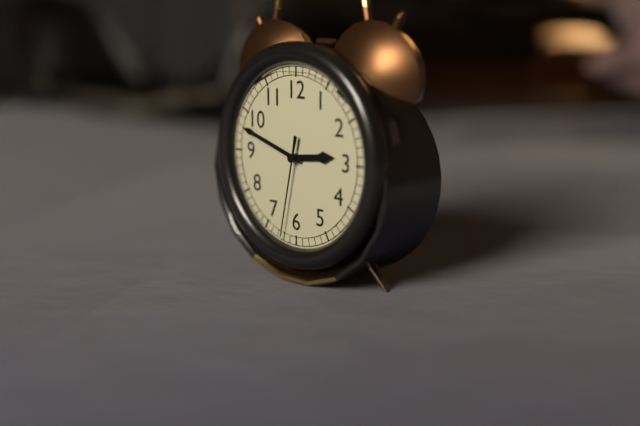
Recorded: h=2 m=48 s=32
